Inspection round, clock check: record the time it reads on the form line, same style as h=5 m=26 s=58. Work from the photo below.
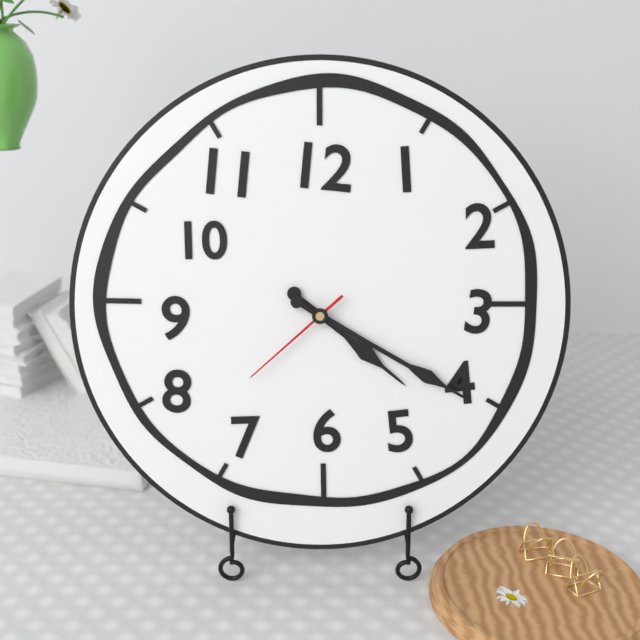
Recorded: h=4 m=20 s=38
